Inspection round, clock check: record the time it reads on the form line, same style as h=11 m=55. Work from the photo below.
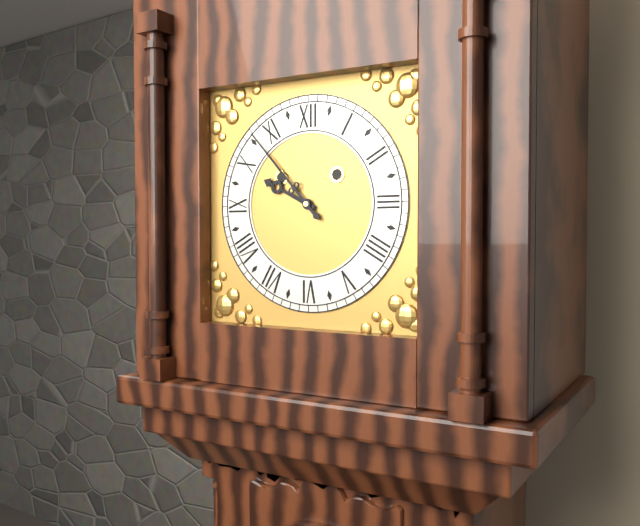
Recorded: h=9 m=53
